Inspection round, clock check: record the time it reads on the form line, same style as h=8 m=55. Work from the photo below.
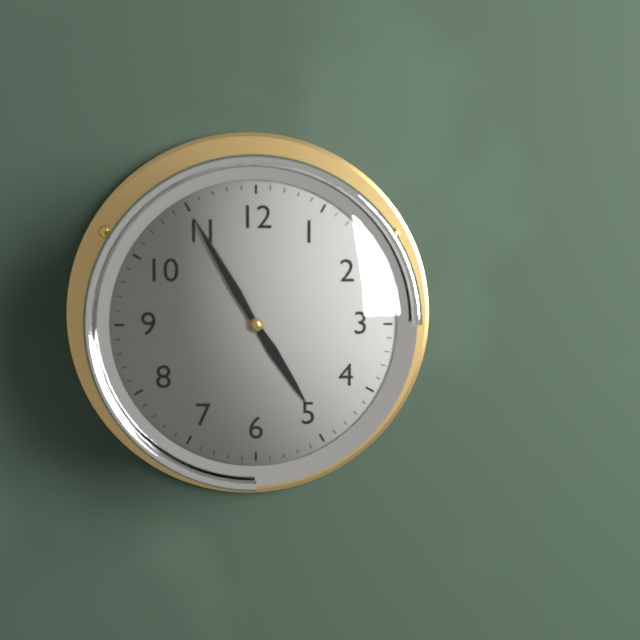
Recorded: h=4 m=55
